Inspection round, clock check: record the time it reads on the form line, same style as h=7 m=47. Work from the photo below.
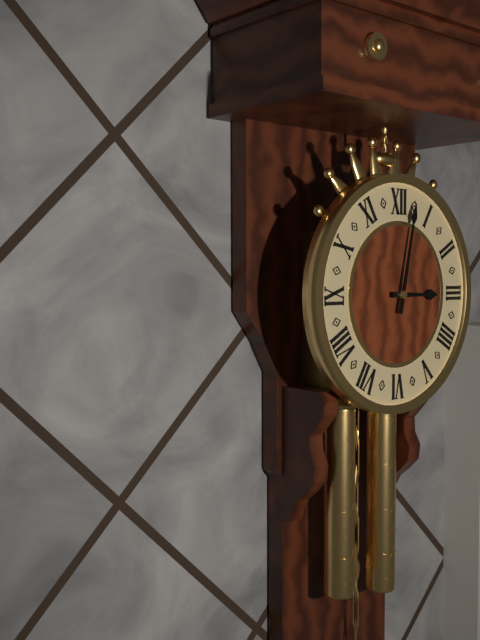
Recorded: h=3 m=2
